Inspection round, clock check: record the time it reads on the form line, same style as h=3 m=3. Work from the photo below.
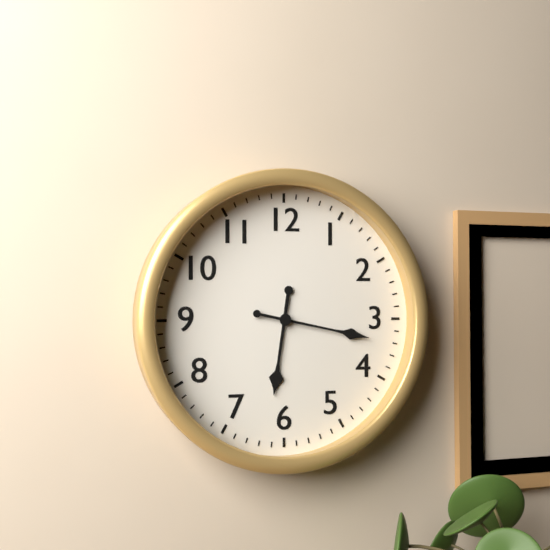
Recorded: h=6 m=17
